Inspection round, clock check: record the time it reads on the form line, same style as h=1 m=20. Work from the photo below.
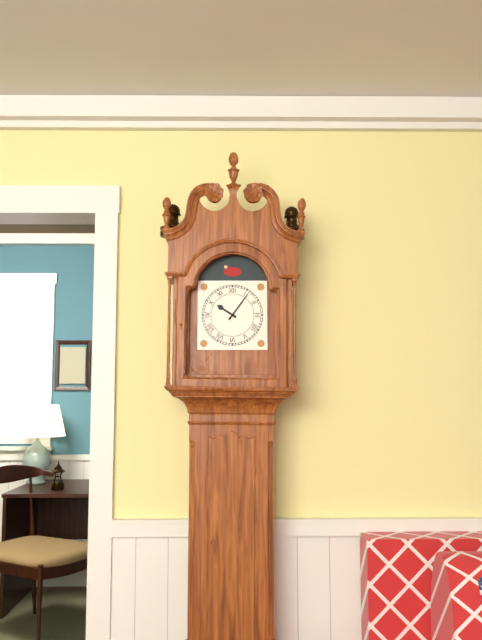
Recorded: h=10 m=6
